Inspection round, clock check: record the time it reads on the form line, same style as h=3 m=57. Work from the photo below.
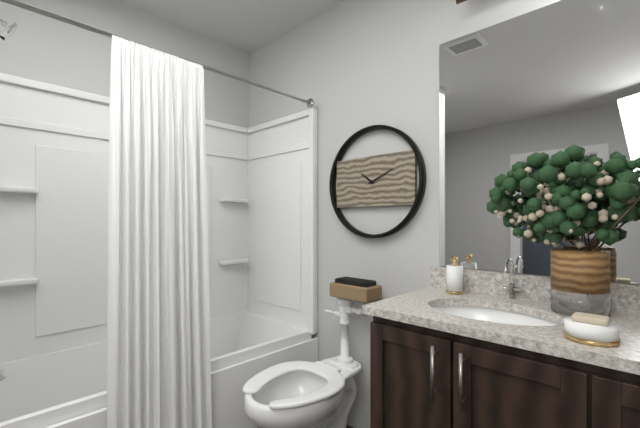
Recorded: h=10 m=11
